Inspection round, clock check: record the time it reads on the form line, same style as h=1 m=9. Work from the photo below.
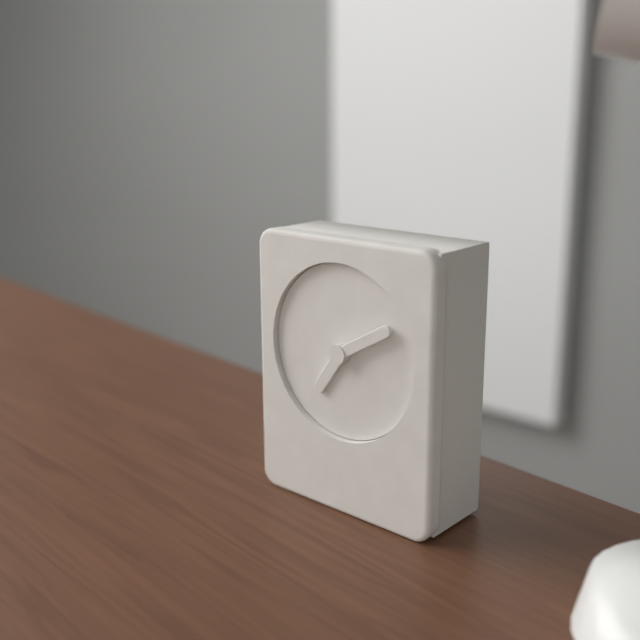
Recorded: h=7 m=10
